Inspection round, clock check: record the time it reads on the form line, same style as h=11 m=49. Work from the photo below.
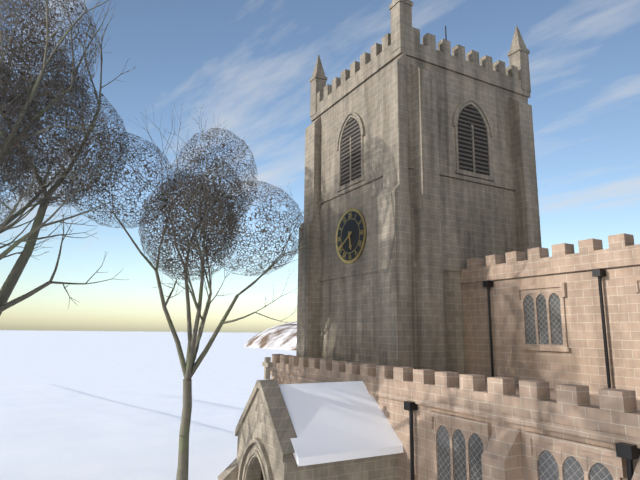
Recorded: h=5 m=40
